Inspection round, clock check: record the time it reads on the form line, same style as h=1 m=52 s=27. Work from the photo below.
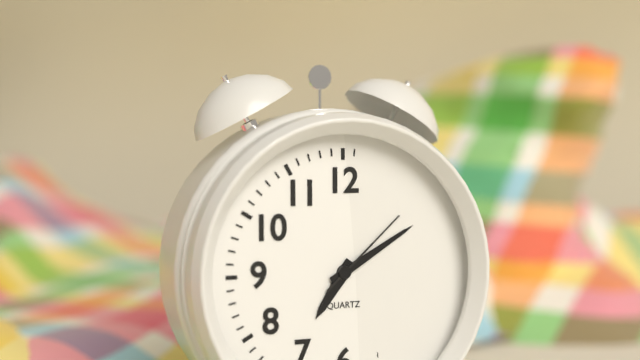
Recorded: h=7 m=10 s=8
